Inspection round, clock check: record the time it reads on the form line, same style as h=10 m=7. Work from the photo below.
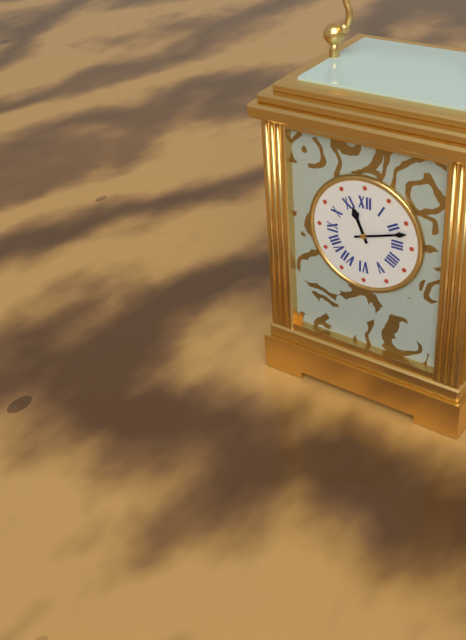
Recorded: h=11 m=12
